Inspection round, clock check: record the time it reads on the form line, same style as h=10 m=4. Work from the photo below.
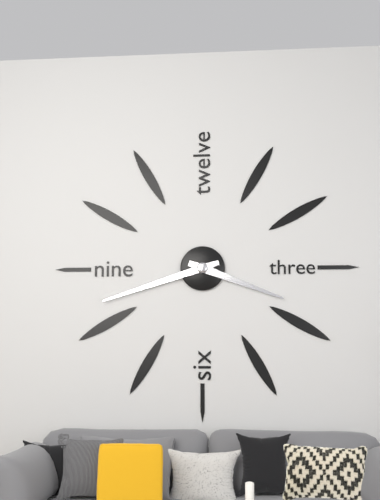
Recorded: h=3 m=42
